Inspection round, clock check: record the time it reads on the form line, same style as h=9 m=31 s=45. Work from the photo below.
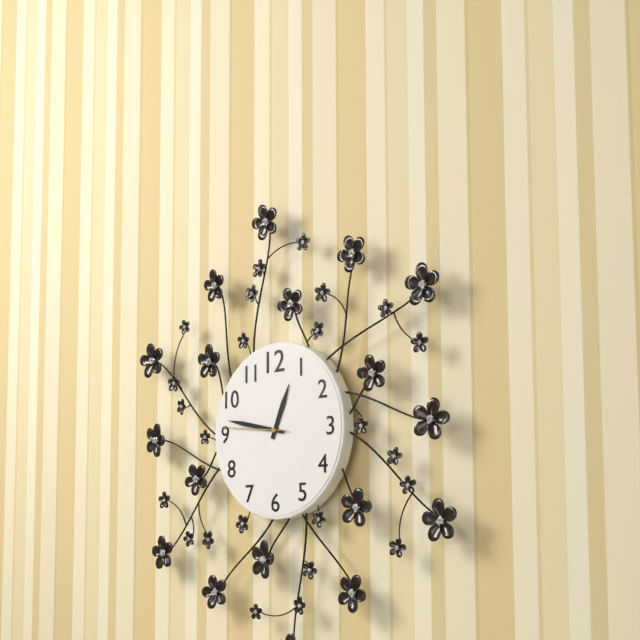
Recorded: h=12 m=47 s=46
